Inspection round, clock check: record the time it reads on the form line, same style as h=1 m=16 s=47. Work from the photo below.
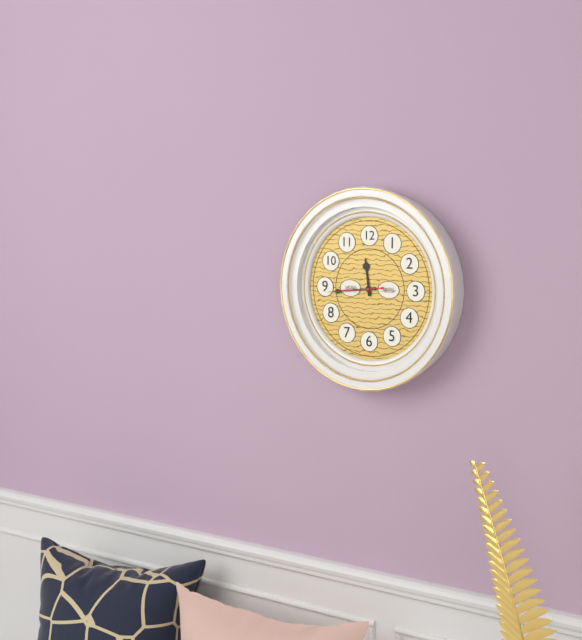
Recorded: h=11 m=44 s=44
